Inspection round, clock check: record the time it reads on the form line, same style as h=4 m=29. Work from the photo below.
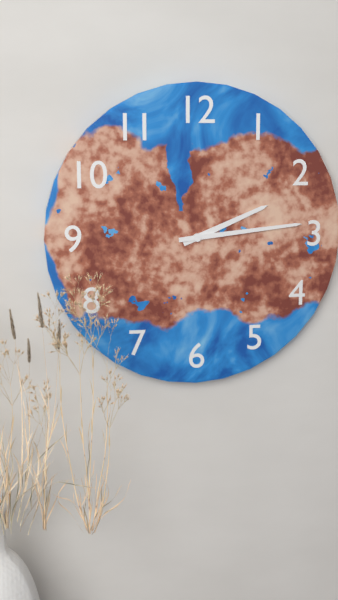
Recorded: h=2 m=14
